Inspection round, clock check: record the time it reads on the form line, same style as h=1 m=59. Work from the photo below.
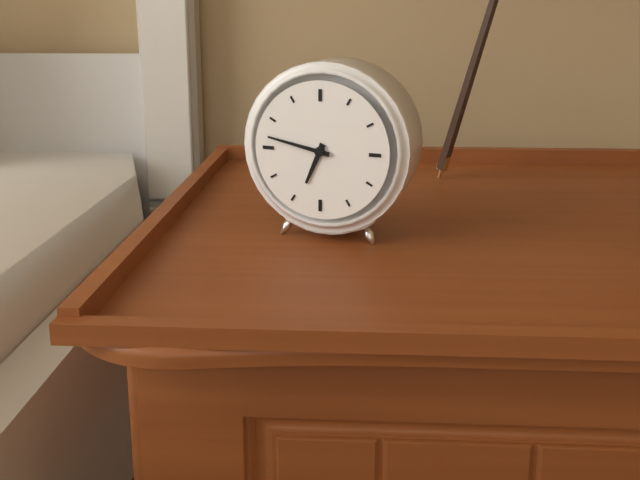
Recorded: h=6 m=47
